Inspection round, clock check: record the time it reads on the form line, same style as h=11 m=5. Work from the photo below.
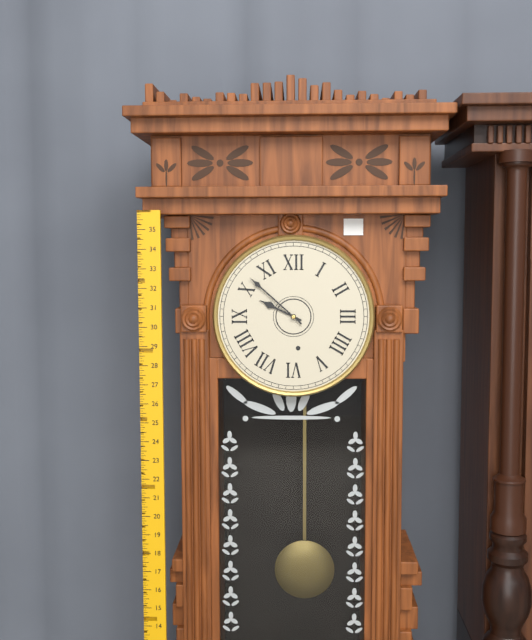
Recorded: h=9 m=52
